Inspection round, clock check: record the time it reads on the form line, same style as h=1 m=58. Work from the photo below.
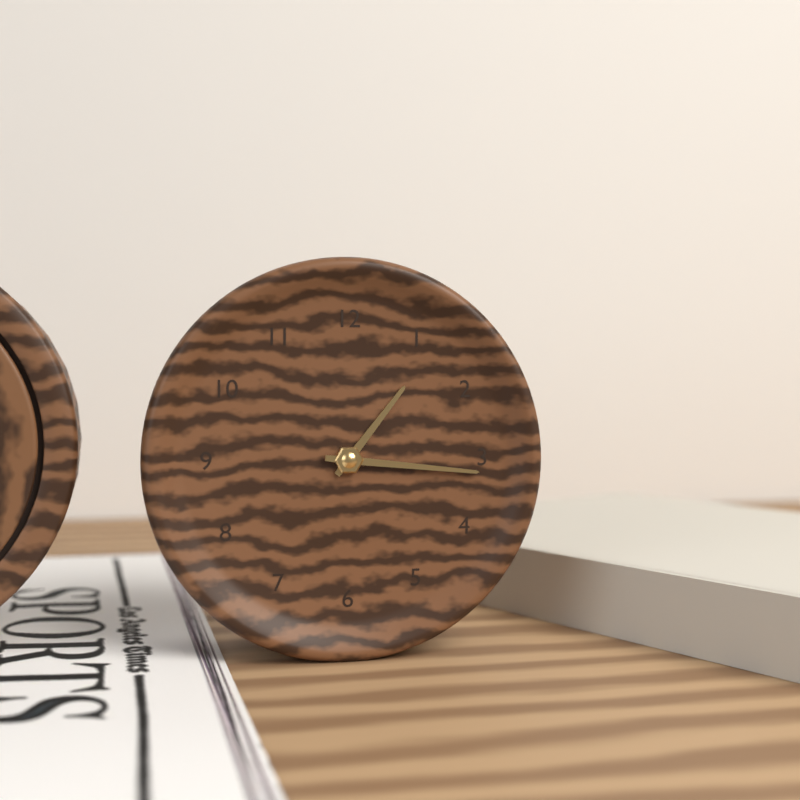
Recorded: h=1 m=16
